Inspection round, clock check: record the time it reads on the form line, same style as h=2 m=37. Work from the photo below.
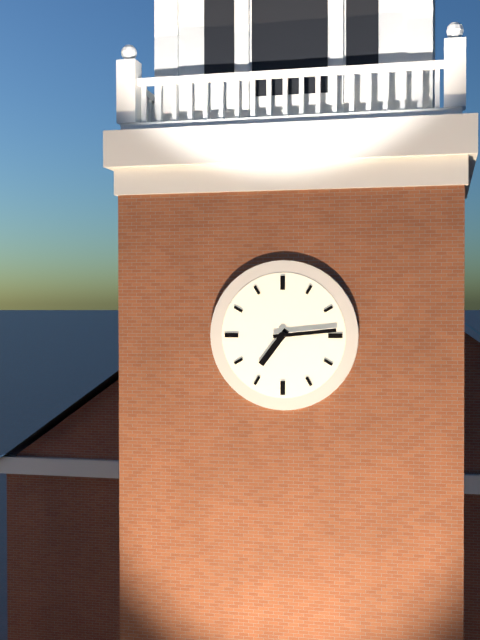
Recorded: h=7 m=14
